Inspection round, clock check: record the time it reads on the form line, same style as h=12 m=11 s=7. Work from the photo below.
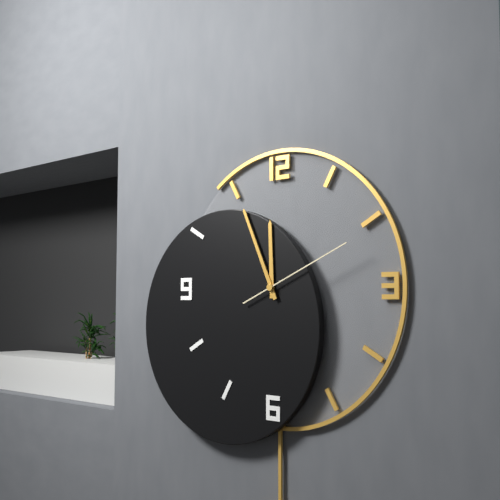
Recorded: h=11 m=56 s=11
